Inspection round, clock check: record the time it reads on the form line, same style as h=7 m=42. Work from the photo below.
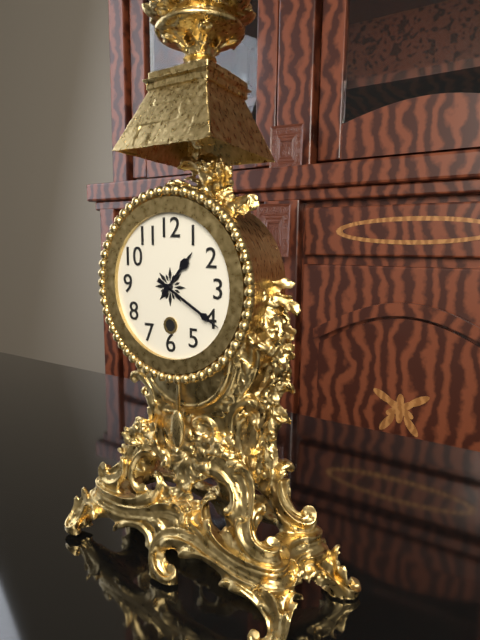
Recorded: h=1 m=20
